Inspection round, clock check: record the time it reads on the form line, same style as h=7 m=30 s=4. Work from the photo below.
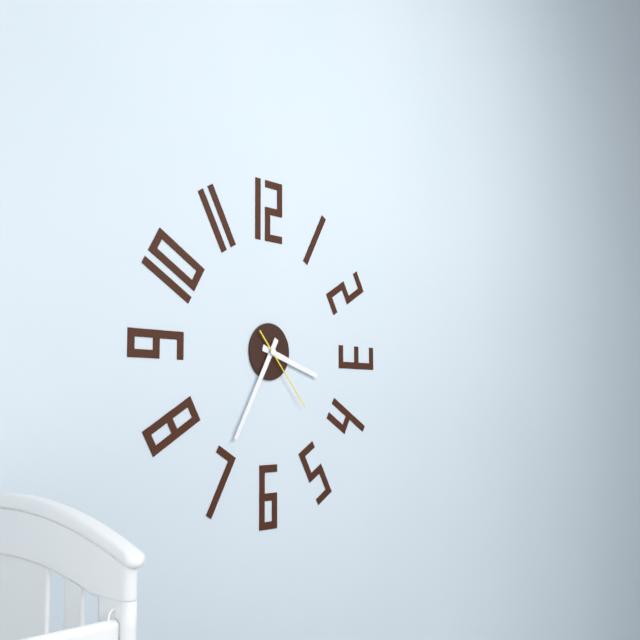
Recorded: h=3 m=35 s=23
